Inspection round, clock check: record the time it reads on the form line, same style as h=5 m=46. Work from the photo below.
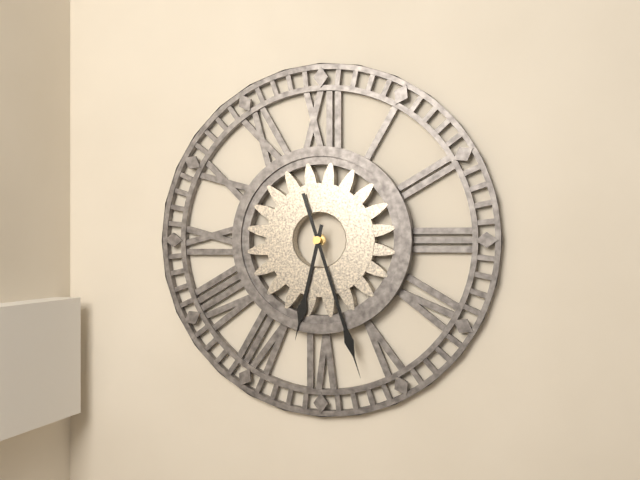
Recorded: h=6 m=27
